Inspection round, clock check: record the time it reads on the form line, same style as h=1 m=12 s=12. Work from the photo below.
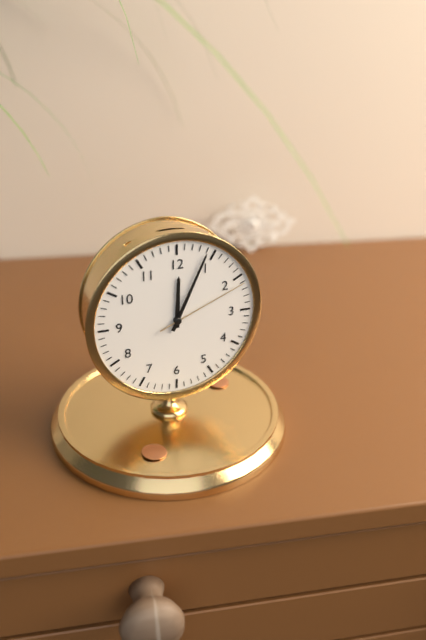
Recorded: h=12 m=4 s=11
